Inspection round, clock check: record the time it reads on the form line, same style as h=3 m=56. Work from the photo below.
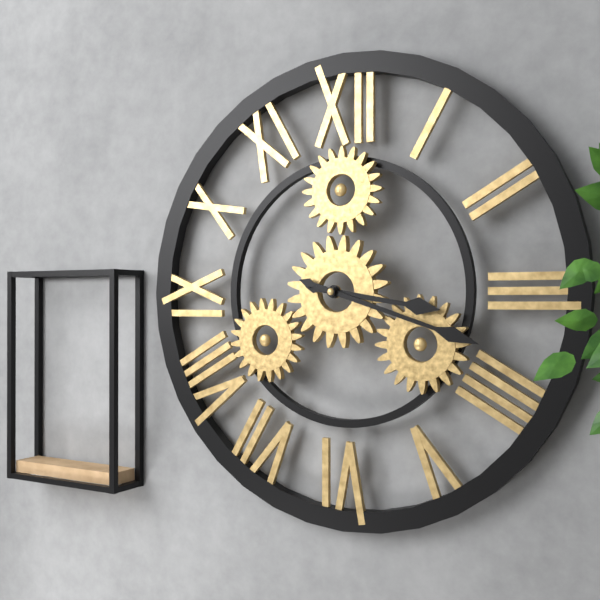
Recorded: h=3 m=18
